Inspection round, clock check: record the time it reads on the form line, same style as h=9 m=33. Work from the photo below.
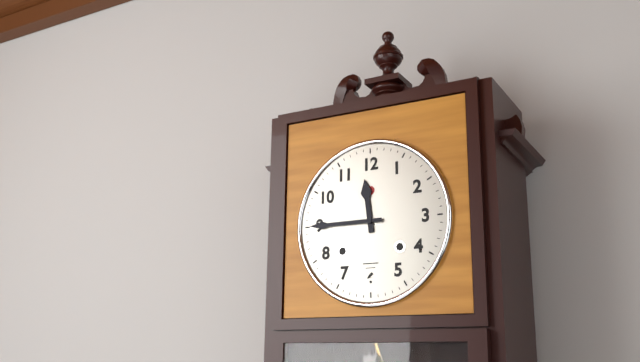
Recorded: h=11 m=45
